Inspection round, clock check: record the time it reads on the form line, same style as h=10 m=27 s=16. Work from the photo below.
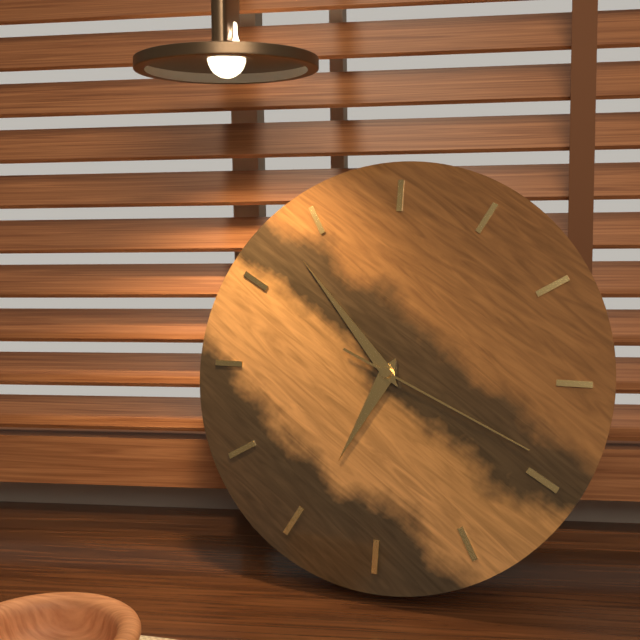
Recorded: h=6 m=53 s=19
